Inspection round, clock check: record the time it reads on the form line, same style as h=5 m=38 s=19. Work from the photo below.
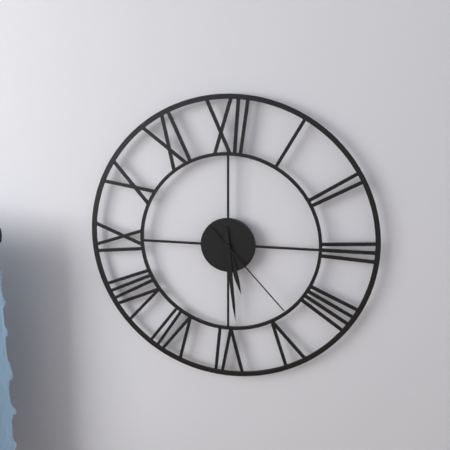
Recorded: h=5 m=29 s=23
